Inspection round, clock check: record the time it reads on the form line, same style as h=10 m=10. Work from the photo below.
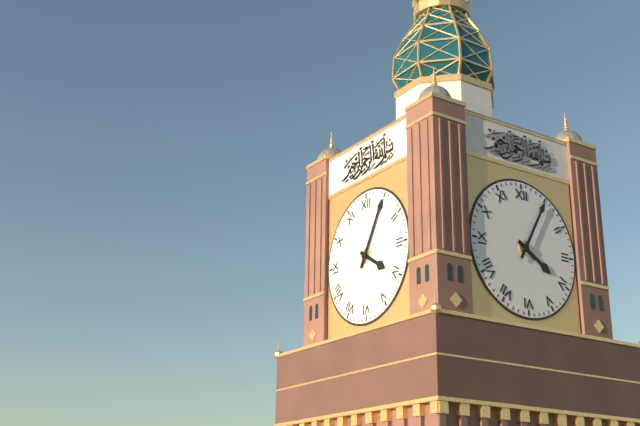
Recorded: h=4 m=5
